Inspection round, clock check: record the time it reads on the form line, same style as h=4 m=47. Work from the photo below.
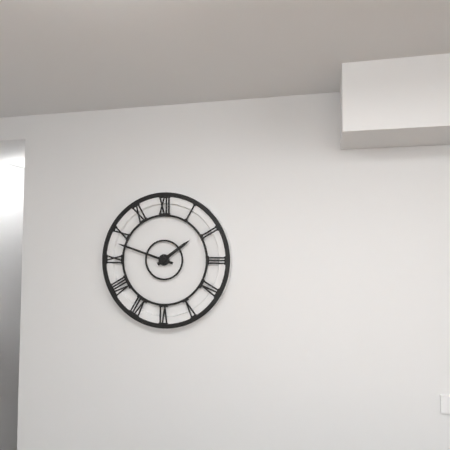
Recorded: h=1 m=48
